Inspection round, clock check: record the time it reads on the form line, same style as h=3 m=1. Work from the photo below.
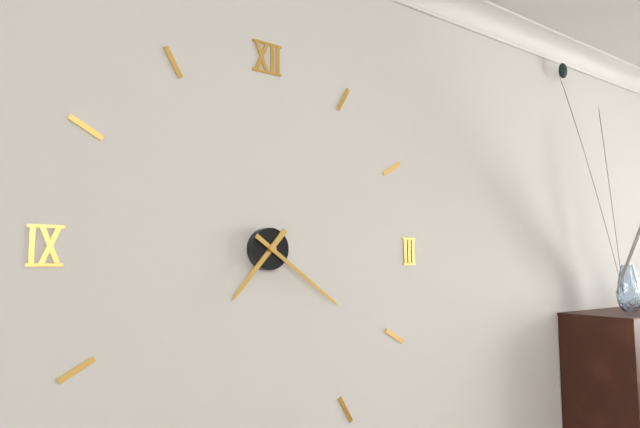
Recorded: h=7 m=21
